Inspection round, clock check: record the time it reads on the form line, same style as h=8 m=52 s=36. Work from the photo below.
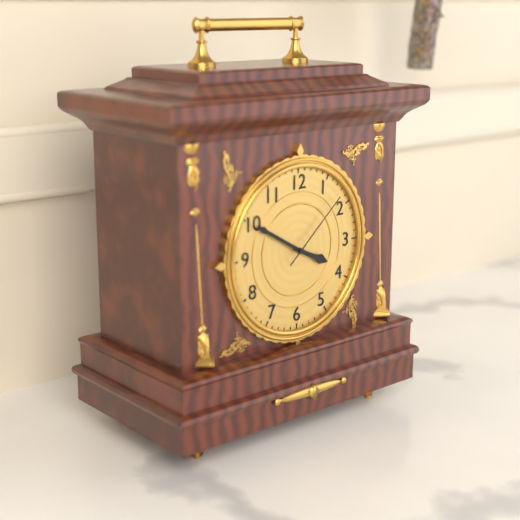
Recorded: h=3 m=50 s=8
